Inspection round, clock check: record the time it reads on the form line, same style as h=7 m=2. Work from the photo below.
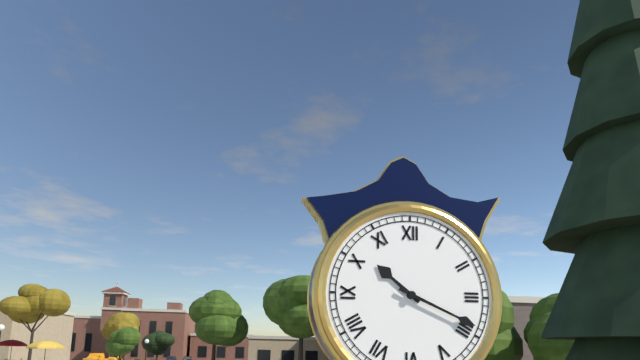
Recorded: h=10 m=19
